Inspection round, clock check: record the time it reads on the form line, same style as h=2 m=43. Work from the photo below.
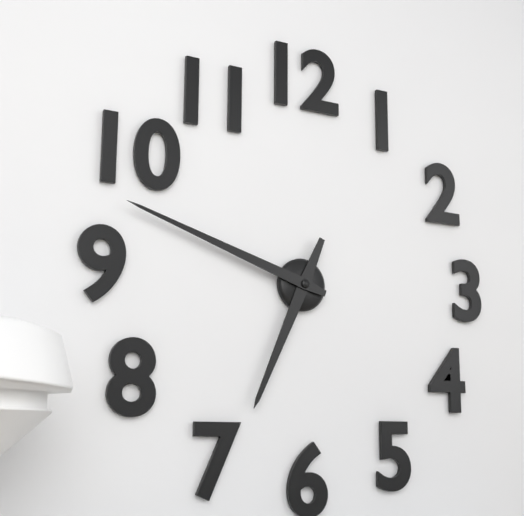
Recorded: h=6 m=48
